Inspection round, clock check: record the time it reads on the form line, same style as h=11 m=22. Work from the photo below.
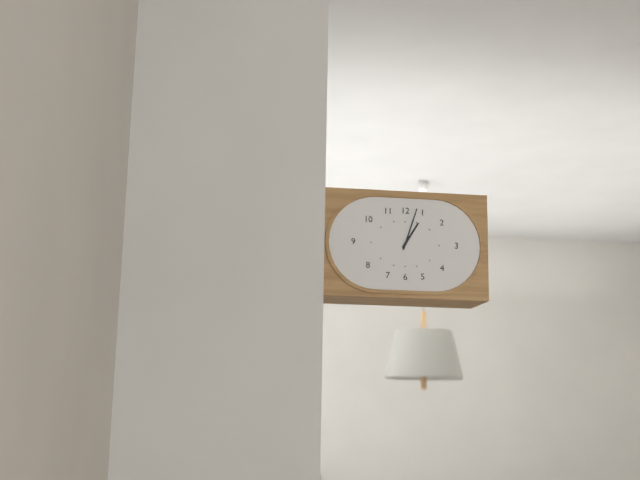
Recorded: h=1 m=3
